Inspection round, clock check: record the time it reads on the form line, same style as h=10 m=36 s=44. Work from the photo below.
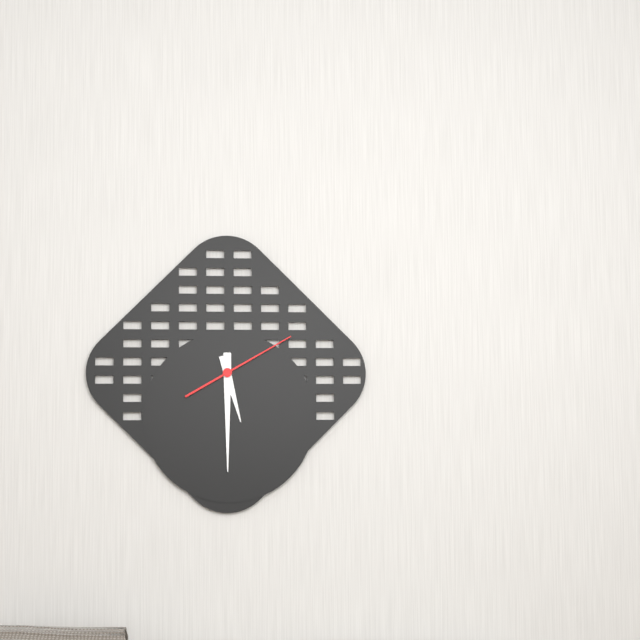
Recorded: h=5 m=30 s=10
